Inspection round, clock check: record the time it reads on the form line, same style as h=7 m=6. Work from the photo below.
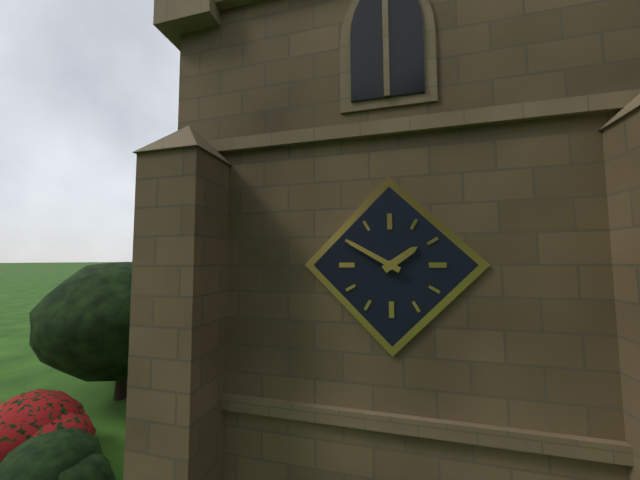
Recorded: h=1 m=50
